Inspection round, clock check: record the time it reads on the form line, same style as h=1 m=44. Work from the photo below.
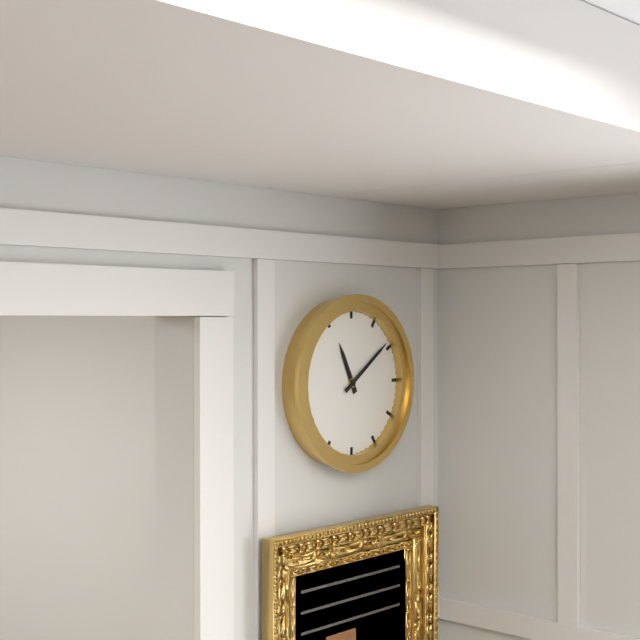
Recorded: h=11 m=9
